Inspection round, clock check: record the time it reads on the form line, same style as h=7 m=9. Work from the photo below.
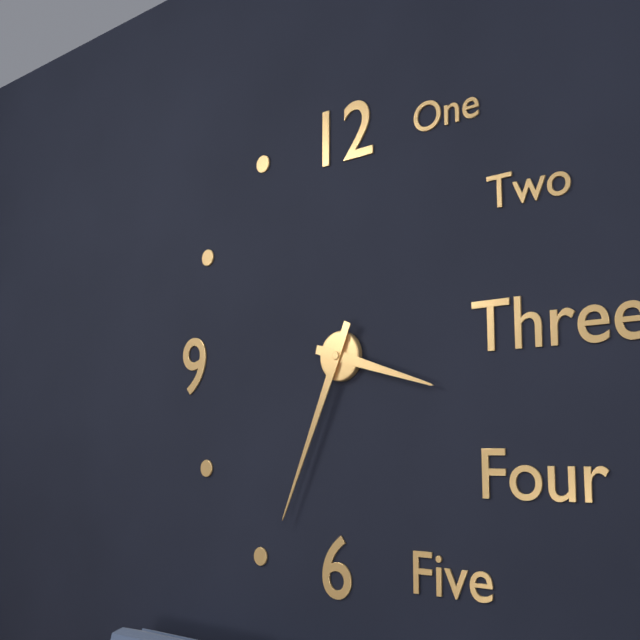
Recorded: h=3 m=34
